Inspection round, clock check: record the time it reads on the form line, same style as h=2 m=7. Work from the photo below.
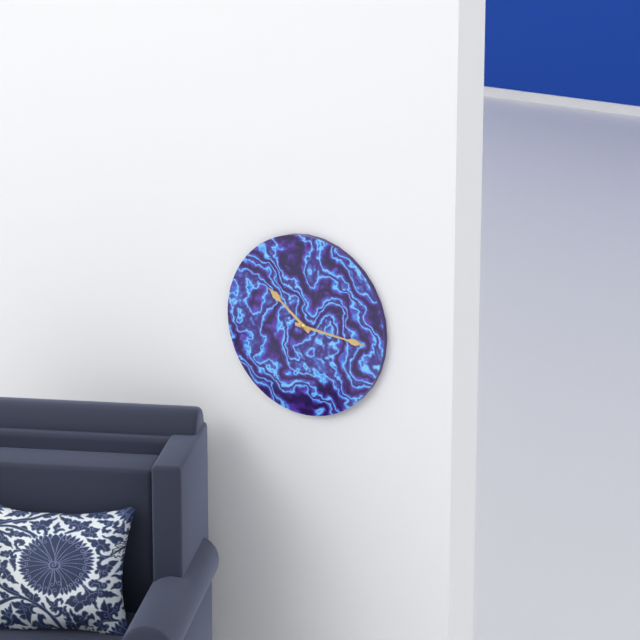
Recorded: h=10 m=16
